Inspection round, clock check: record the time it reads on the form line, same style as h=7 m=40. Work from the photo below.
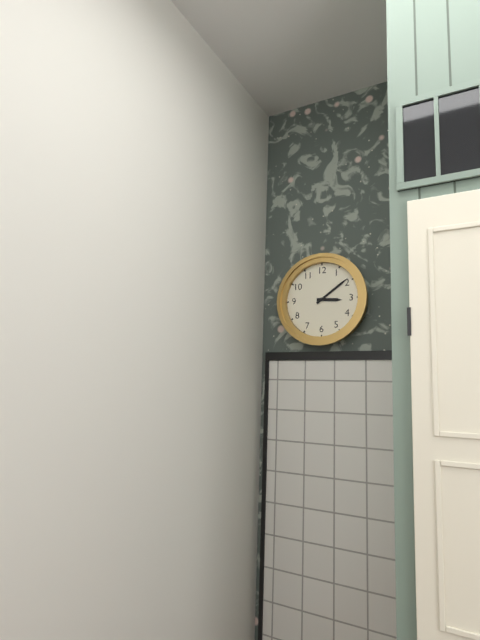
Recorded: h=3 m=9
